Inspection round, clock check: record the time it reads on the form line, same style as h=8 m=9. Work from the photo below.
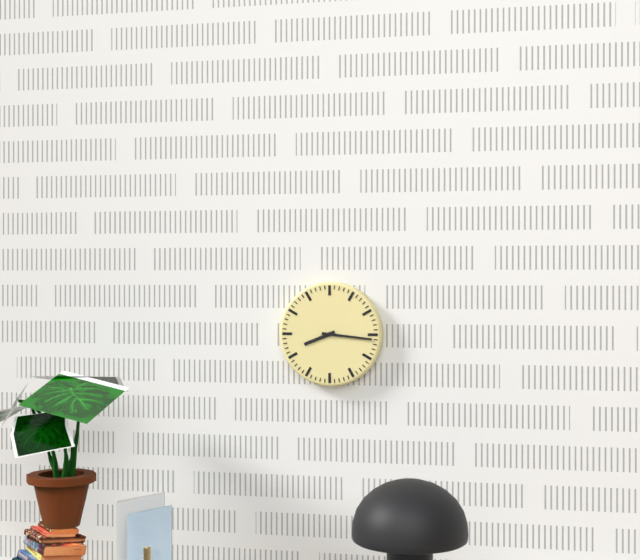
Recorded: h=8 m=16
